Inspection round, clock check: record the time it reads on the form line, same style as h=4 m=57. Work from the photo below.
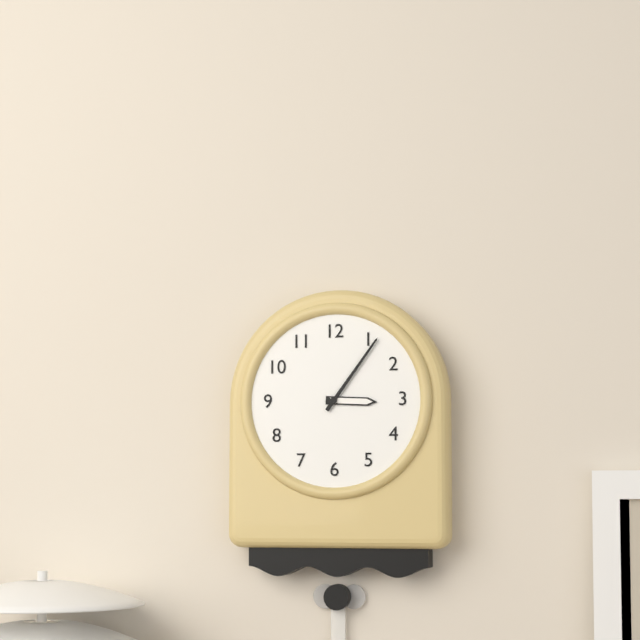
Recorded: h=3 m=6
